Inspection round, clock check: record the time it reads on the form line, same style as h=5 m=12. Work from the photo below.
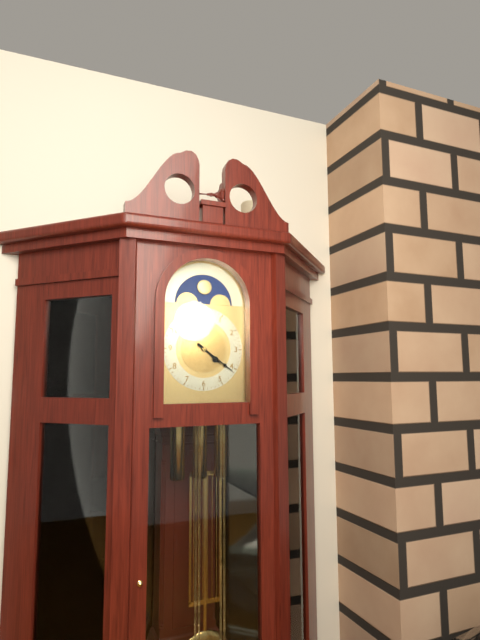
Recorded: h=4 m=21
